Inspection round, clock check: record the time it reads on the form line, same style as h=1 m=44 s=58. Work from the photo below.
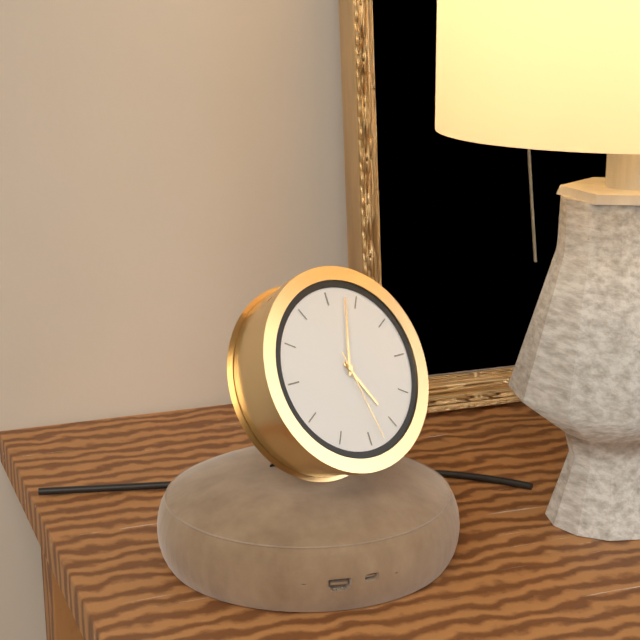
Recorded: h=5 m=3 s=28
